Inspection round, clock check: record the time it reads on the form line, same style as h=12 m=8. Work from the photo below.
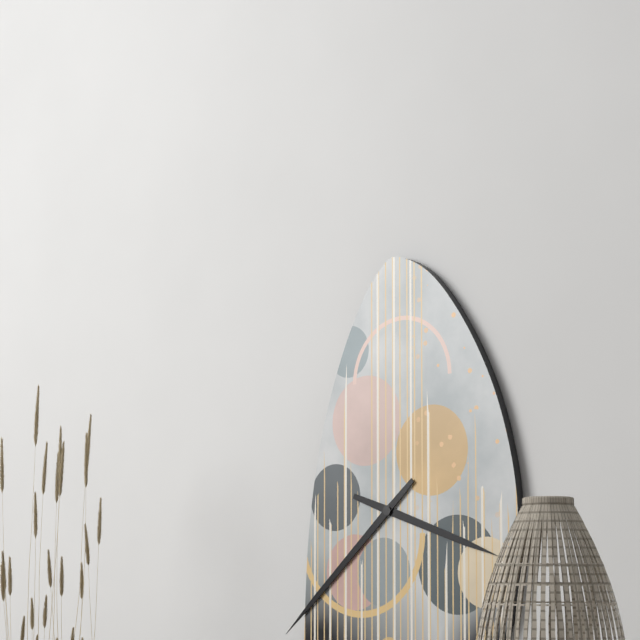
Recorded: h=3 m=38
